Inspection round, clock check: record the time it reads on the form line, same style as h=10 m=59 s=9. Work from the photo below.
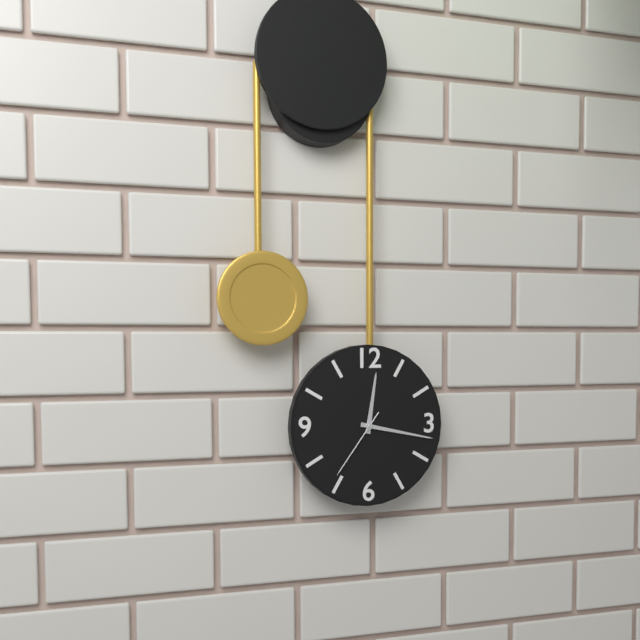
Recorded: h=12 m=17 s=36
